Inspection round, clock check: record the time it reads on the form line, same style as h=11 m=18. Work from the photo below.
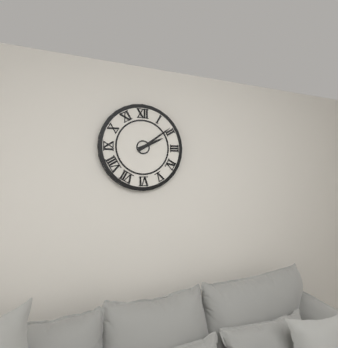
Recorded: h=2 m=9
